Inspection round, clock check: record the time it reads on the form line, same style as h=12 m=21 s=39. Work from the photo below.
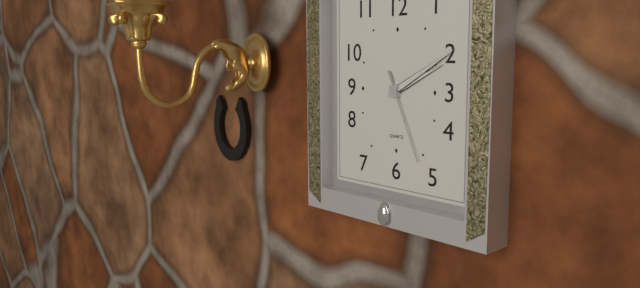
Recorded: h=2 m=10 s=26
